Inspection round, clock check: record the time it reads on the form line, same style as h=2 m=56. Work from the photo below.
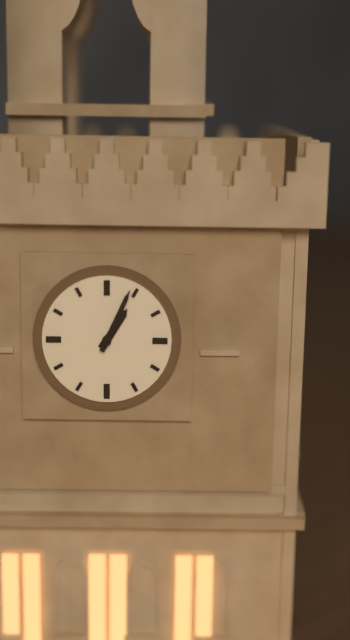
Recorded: h=1 m=4
